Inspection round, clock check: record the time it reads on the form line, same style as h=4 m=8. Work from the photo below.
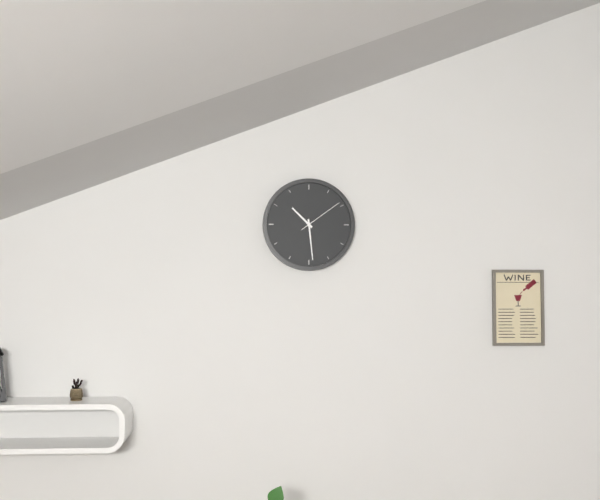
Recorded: h=10 m=29
